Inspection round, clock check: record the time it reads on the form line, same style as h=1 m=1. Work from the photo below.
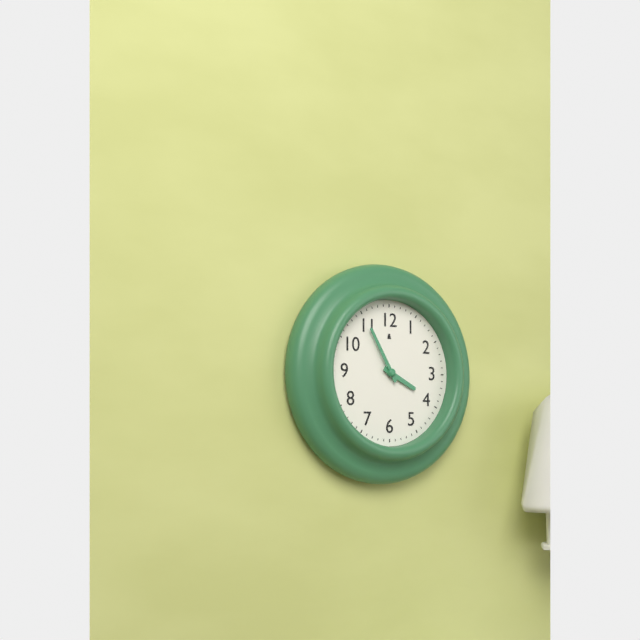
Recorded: h=3 m=55
